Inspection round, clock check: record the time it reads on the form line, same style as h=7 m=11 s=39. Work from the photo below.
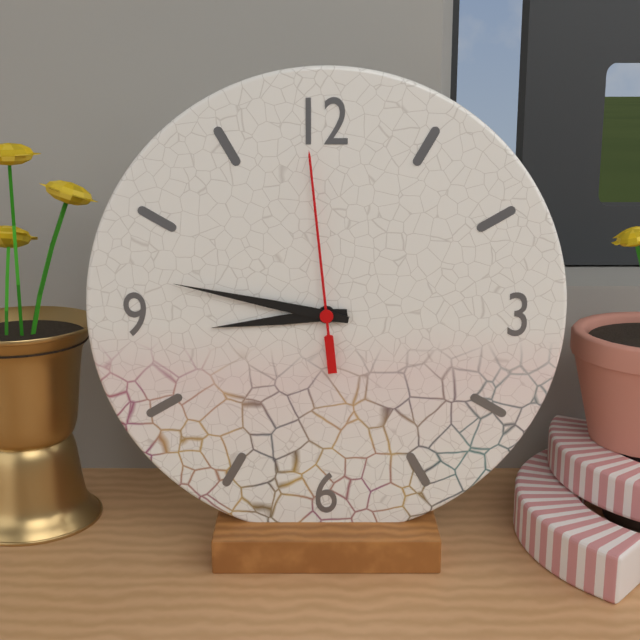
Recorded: h=8 m=47 s=59
